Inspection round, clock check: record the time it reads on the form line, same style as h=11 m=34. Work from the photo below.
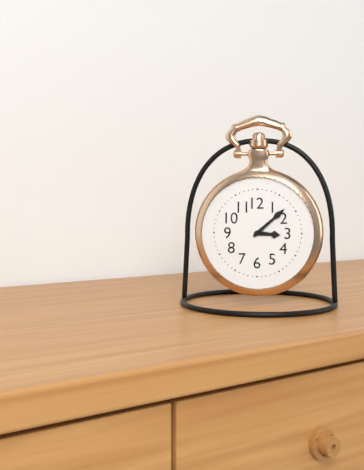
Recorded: h=3 m=8
